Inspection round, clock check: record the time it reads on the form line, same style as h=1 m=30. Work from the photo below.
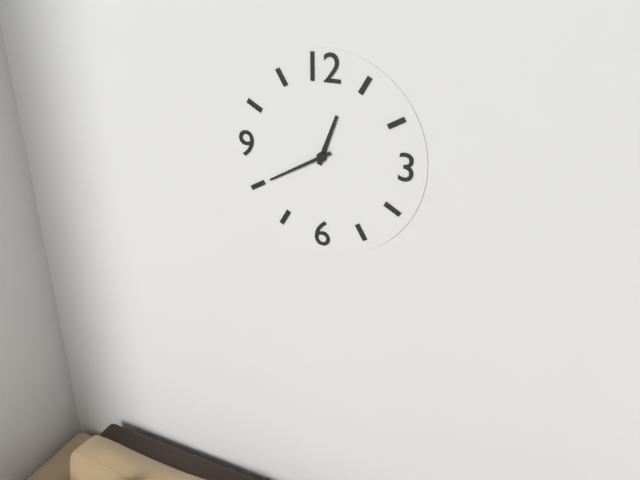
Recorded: h=12 m=40
